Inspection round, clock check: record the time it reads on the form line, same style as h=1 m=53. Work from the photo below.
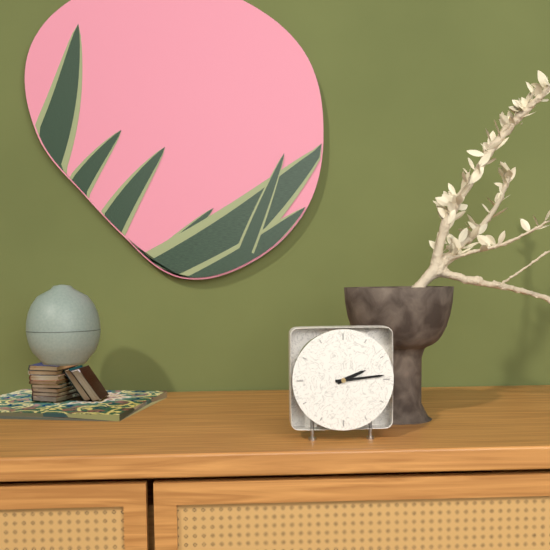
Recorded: h=2 m=14
